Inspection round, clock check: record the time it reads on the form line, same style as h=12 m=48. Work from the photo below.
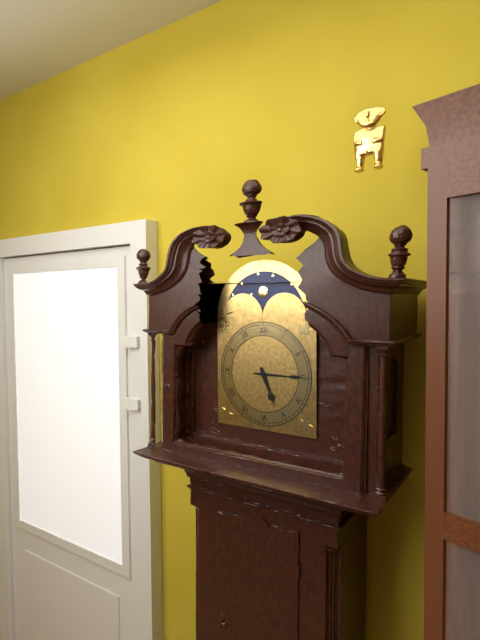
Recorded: h=5 m=15
